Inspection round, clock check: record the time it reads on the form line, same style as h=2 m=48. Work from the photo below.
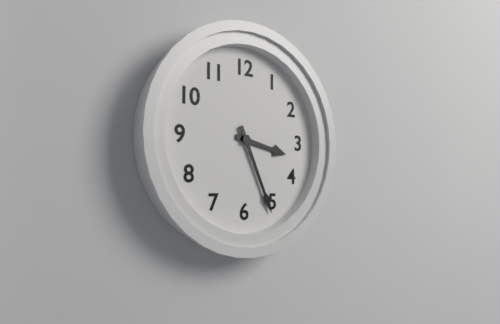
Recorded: h=3 m=26
